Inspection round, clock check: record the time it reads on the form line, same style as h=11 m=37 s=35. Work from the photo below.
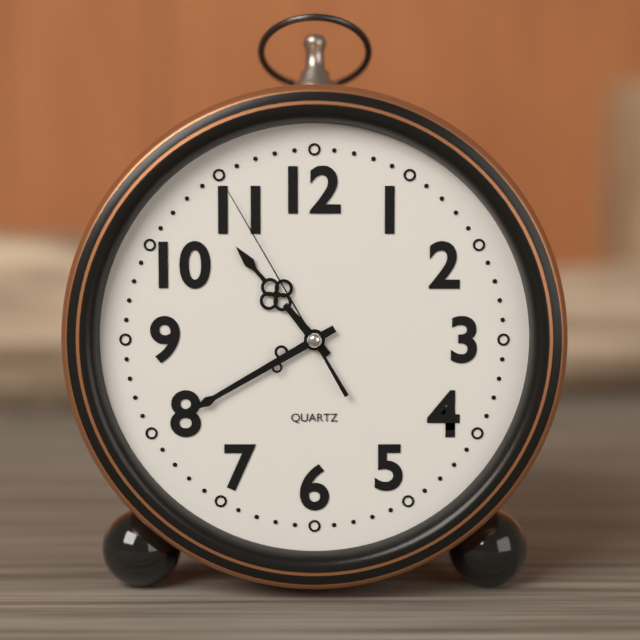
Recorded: h=10 m=40 s=55
